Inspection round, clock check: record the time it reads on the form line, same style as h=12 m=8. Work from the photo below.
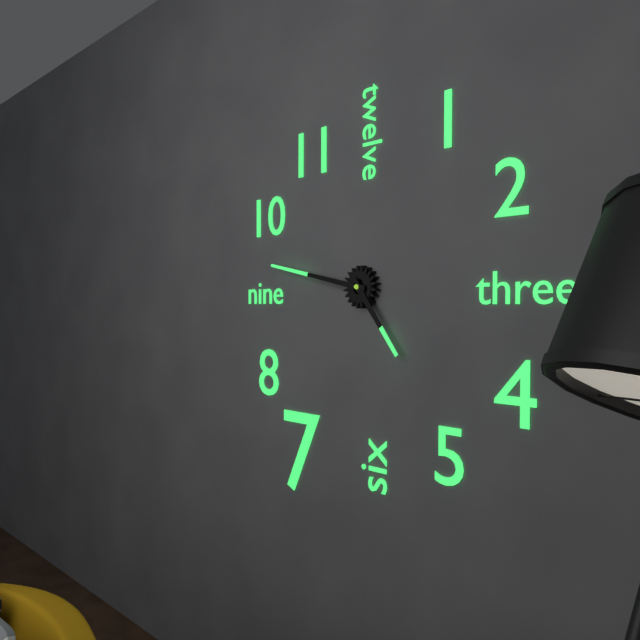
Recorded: h=4 m=47
